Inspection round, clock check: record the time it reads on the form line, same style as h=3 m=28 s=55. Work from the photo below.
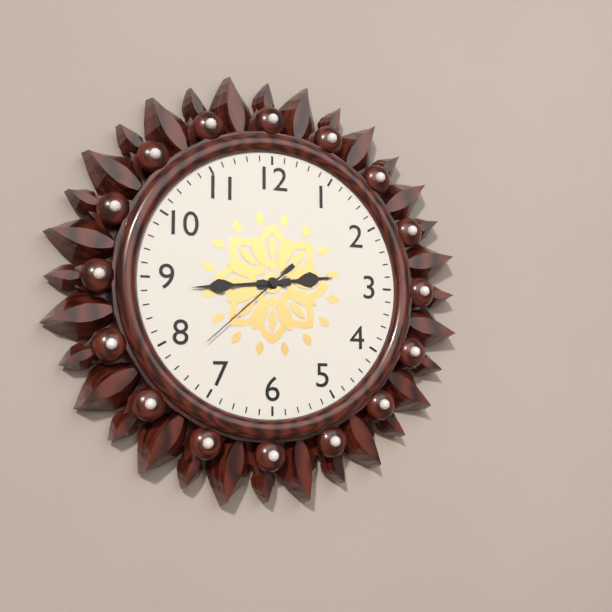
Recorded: h=2 m=44 s=38
